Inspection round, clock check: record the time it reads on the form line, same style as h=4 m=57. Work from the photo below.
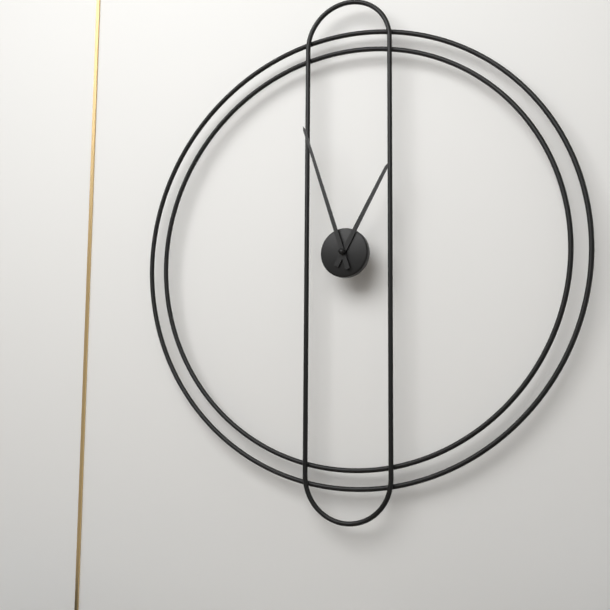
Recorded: h=12 m=57
